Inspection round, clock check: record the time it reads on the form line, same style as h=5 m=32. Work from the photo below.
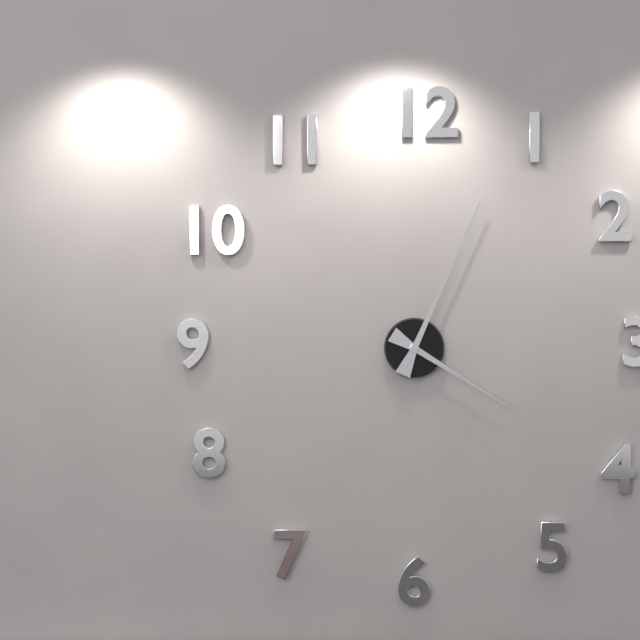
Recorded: h=4 m=4
